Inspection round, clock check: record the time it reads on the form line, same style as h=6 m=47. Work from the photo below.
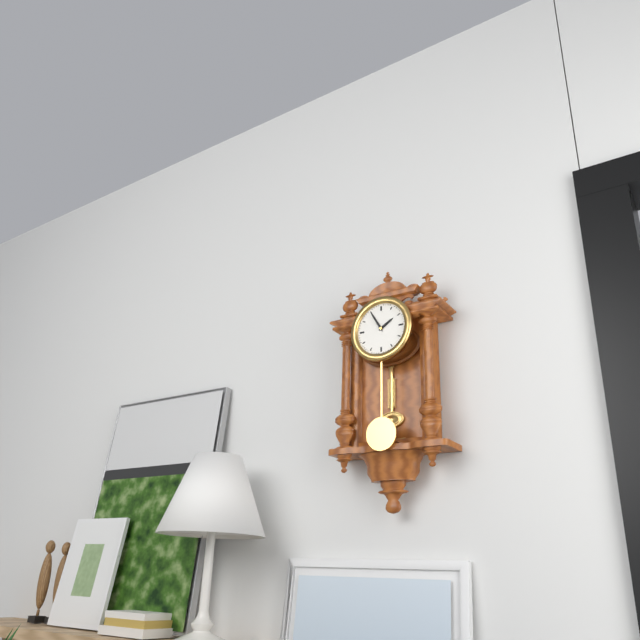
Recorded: h=1 m=55
